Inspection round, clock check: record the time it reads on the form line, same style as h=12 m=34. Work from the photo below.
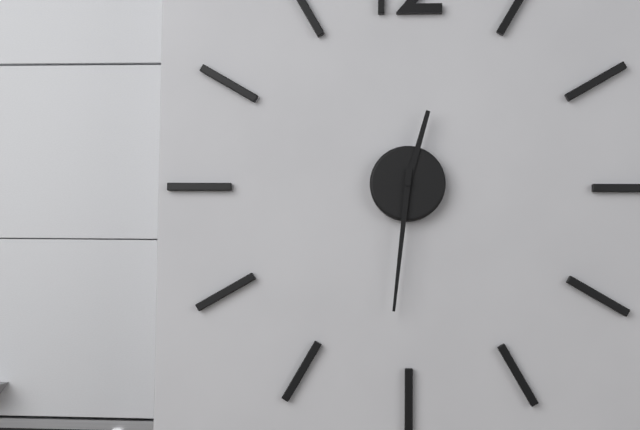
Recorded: h=12 m=31
